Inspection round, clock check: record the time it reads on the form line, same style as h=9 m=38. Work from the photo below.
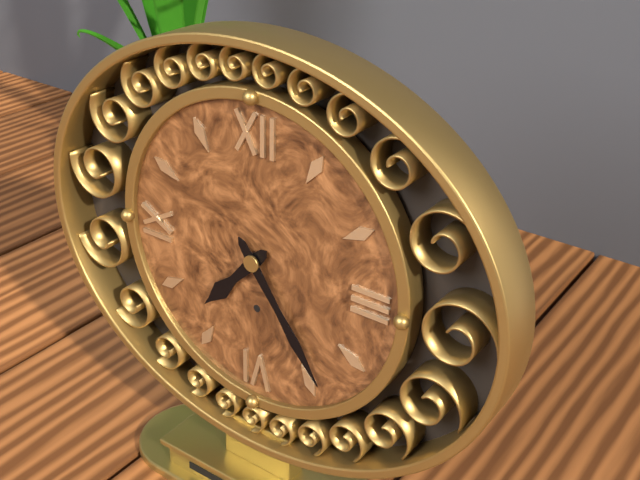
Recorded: h=7 m=24
